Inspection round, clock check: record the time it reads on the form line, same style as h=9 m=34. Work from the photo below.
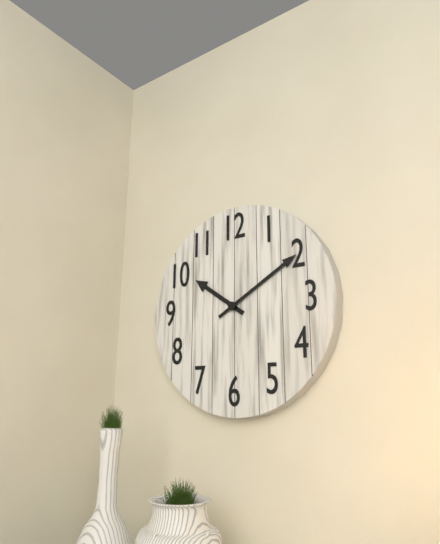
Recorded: h=10 m=10
